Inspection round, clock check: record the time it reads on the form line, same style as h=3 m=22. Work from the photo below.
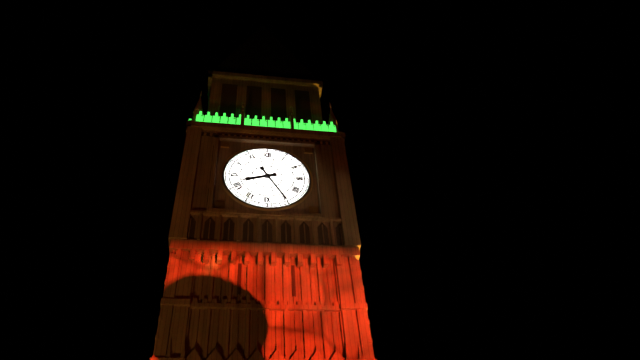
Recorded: h=8 m=25
